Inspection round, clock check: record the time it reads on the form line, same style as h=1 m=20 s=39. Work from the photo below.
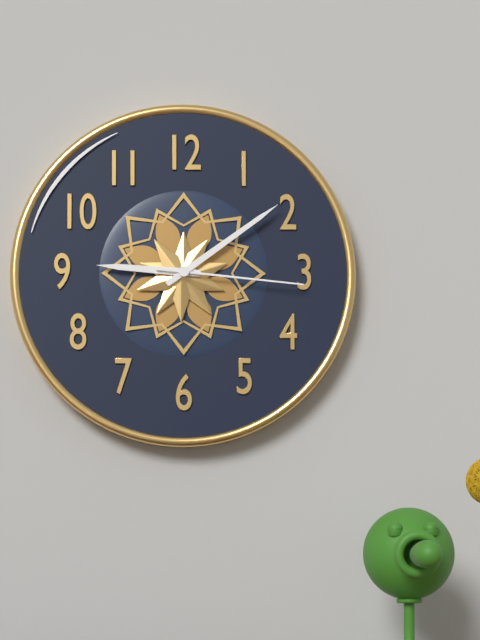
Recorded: h=9 m=9 s=16
